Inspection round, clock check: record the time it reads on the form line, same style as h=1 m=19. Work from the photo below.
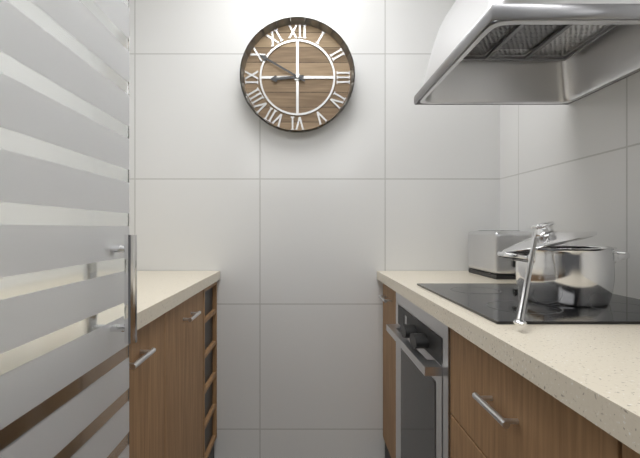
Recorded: h=8 m=50
